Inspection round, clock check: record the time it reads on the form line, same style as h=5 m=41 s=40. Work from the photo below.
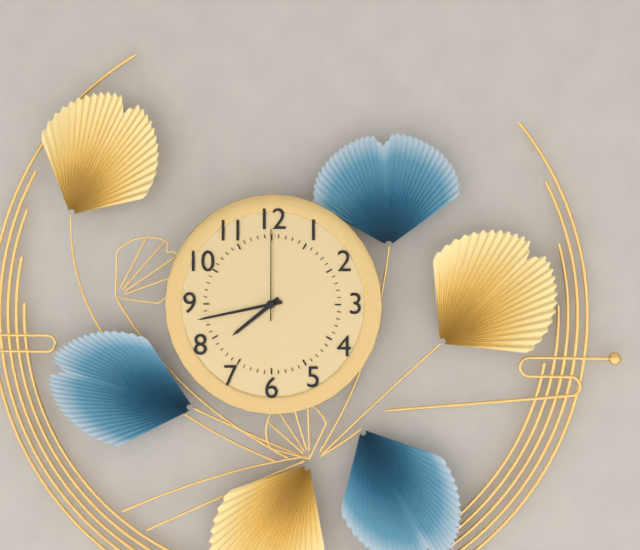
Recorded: h=7 m=43 s=0
